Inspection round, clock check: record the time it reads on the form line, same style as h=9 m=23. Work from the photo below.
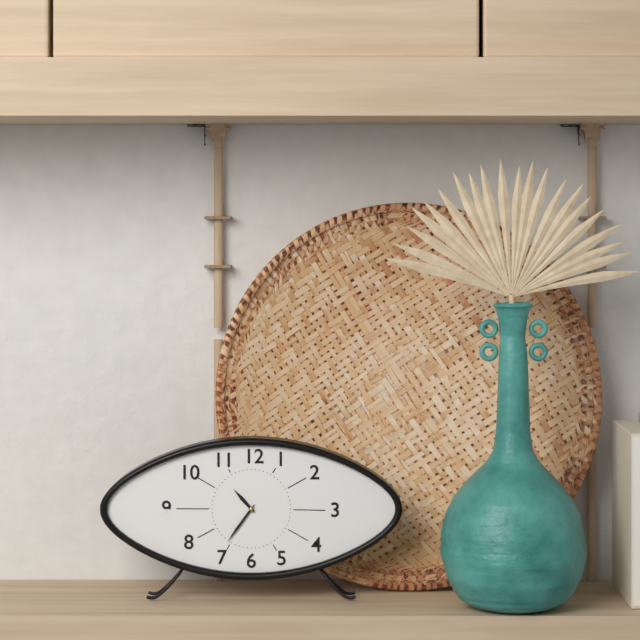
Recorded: h=10 m=36
